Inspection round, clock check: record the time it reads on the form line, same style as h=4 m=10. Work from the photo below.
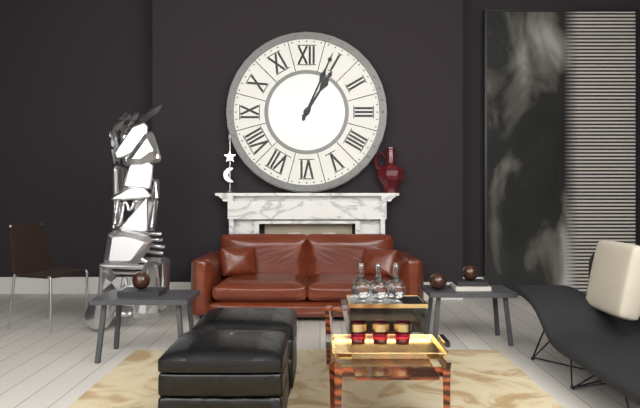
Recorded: h=1 m=4
